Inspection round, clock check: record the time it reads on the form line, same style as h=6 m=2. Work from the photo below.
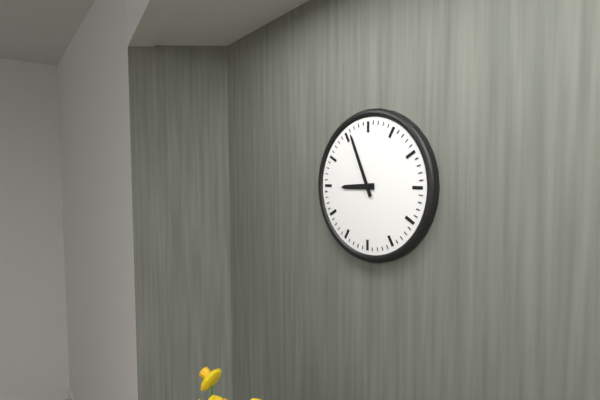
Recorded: h=8 m=56
